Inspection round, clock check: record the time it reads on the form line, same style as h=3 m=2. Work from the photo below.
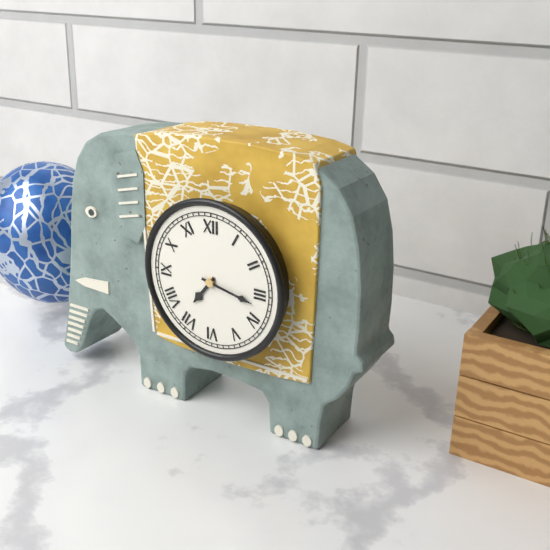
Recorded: h=7 m=17
